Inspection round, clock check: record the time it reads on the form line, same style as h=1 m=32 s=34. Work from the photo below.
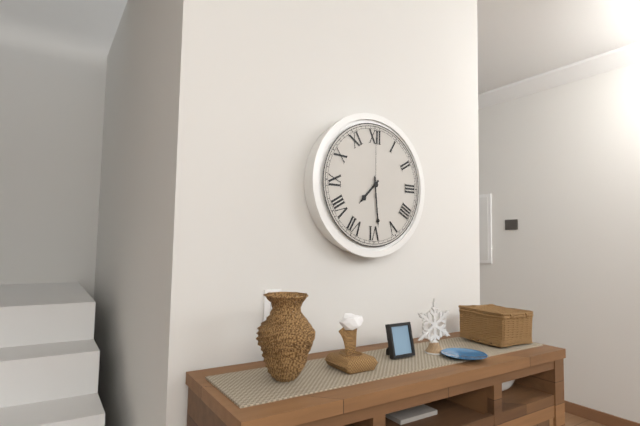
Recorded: h=7 m=29 s=0
